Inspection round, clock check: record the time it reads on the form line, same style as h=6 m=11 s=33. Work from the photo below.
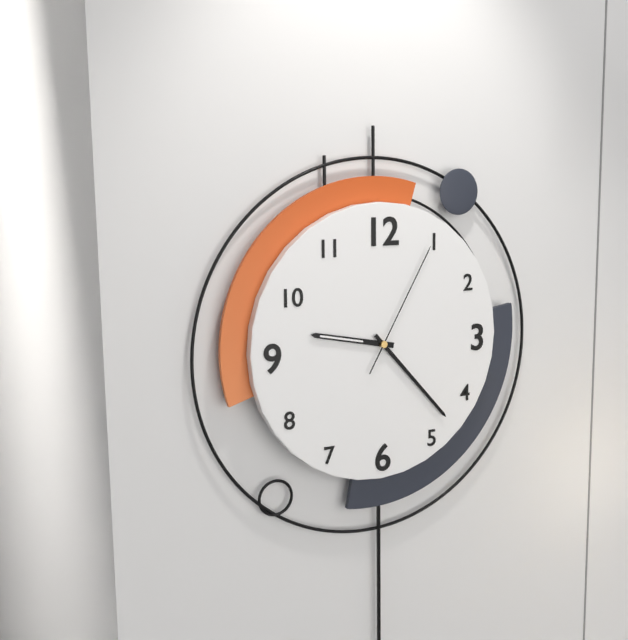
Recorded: h=9 m=23 s=5
